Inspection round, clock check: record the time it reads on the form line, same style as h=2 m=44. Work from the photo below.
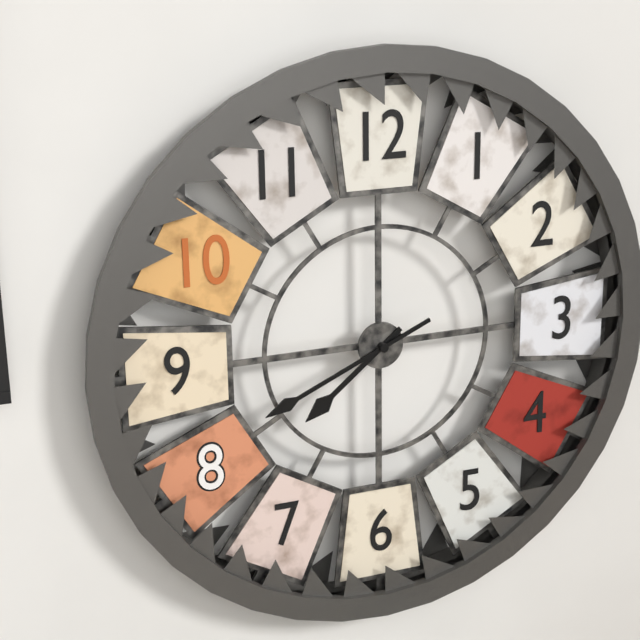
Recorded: h=7 m=41
